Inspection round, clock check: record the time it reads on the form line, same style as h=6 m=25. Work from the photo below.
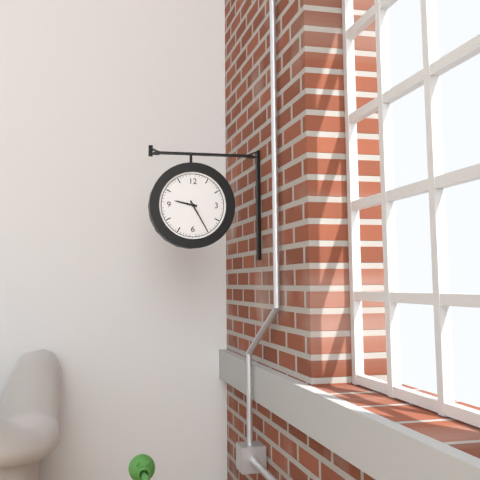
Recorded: h=9 m=25
